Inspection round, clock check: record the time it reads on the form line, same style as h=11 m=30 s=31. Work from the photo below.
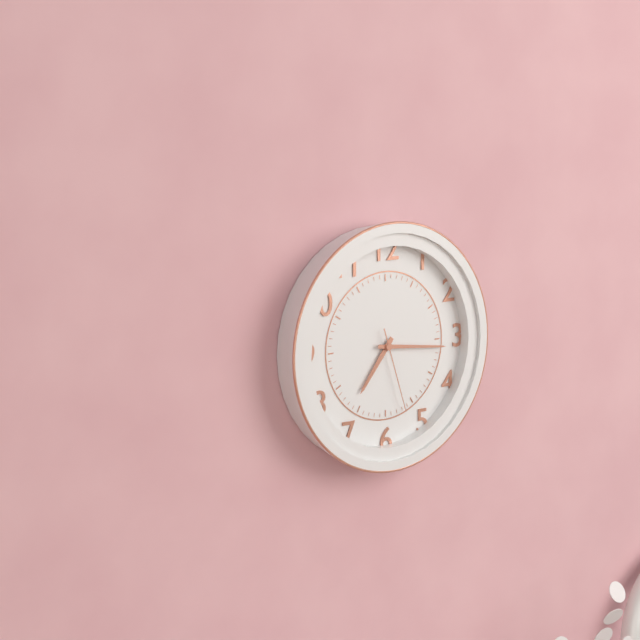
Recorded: h=7 m=16 s=27
